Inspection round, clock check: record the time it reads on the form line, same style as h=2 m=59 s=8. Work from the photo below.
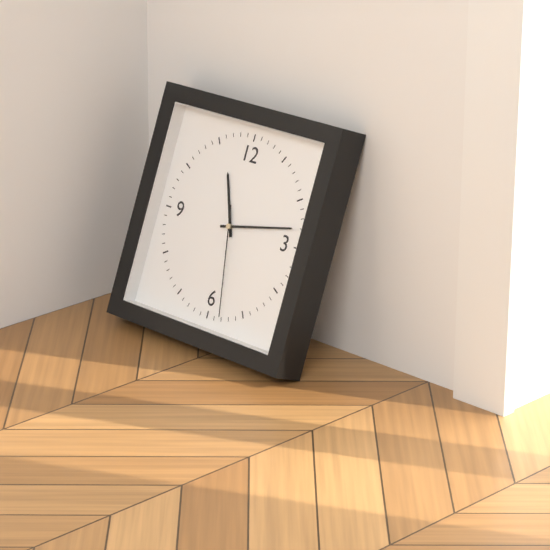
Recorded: h=11 m=13 s=28
